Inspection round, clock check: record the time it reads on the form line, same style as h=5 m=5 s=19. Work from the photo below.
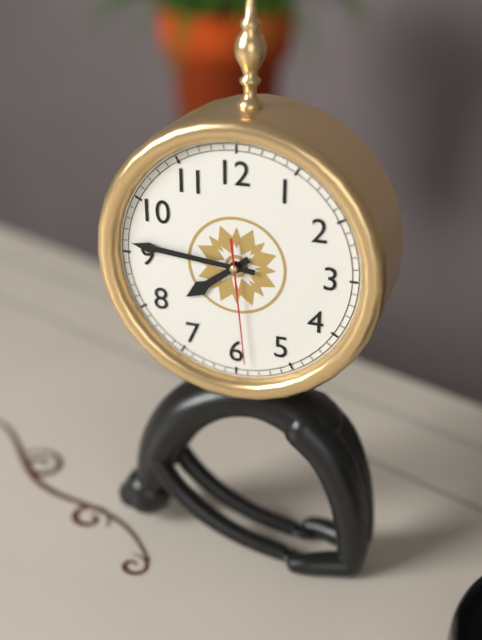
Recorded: h=7 m=46 s=29
